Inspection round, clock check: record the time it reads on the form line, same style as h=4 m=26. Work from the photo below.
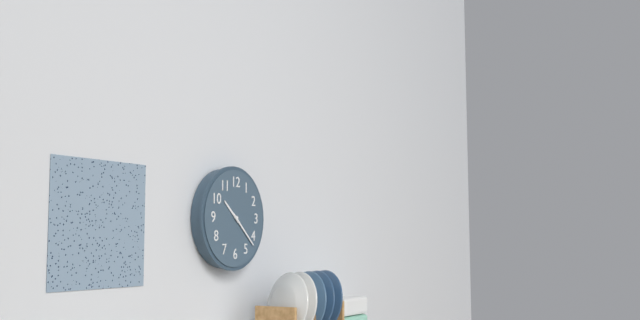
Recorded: h=10 m=22
